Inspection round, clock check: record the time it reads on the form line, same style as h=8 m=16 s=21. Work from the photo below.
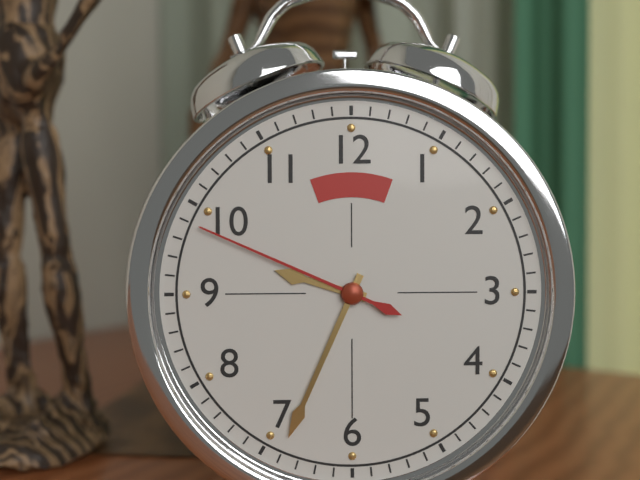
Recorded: h=9 m=34 s=49
